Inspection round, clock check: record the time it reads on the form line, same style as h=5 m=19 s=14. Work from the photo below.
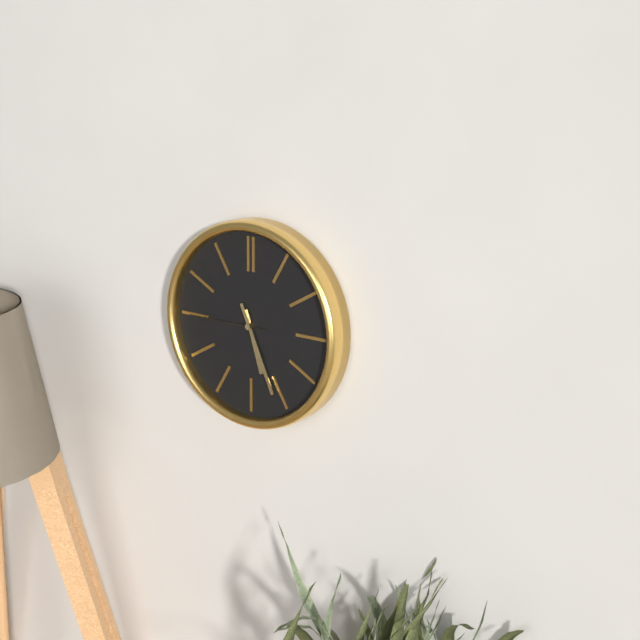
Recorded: h=5 m=26 s=45
